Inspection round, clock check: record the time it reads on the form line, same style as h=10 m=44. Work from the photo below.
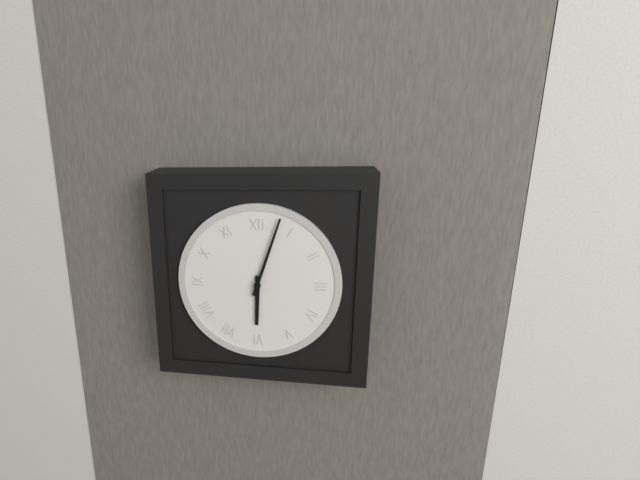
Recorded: h=6 m=3
